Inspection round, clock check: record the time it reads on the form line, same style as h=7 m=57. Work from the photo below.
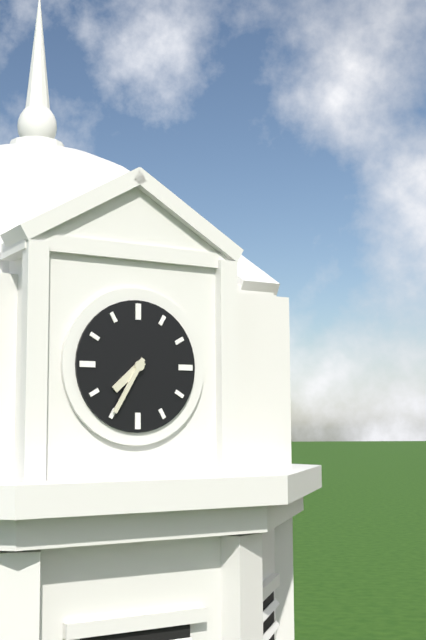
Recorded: h=7 m=35
